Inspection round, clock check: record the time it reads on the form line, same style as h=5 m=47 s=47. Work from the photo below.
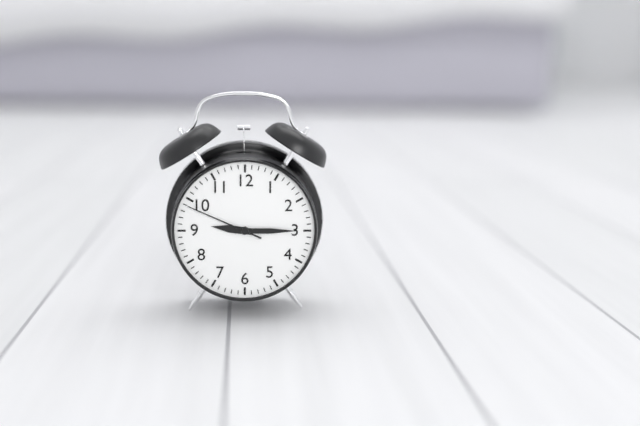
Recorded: h=9 m=15 s=49
